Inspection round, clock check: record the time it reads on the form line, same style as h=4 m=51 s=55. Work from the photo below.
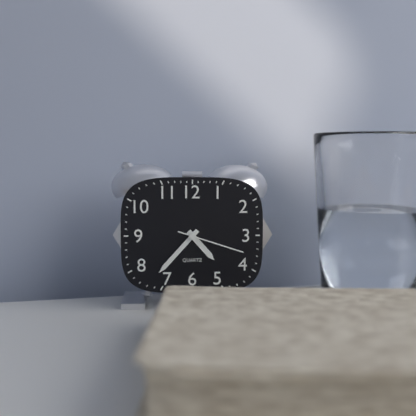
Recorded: h=4 m=37 s=18
